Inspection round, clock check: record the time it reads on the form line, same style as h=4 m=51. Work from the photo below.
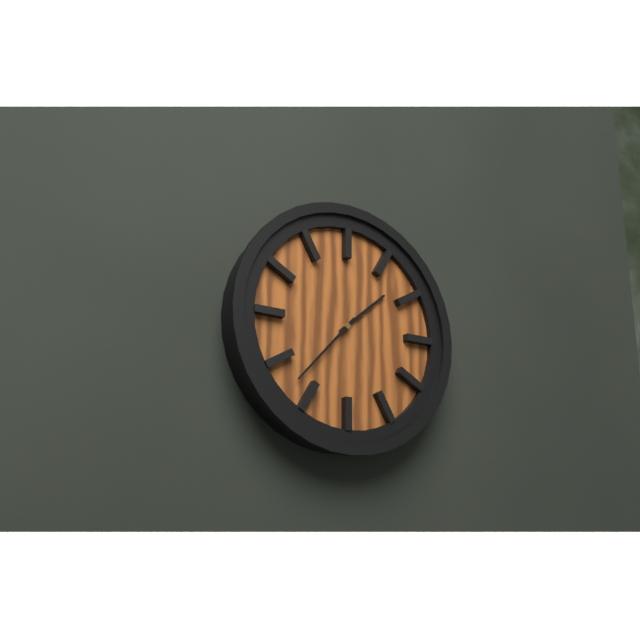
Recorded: h=1 m=37
